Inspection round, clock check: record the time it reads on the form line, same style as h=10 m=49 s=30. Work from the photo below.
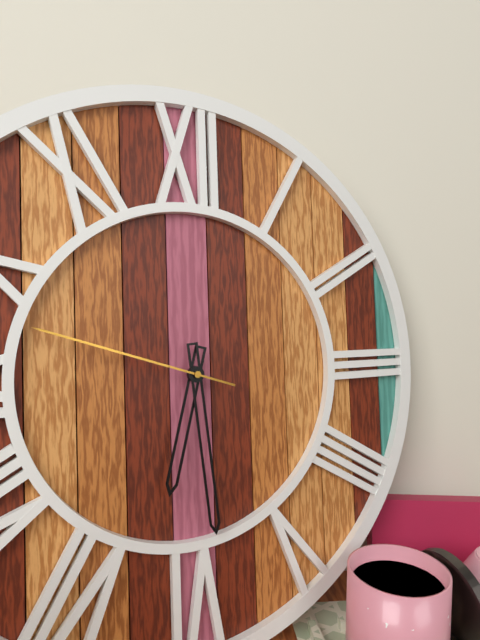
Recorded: h=6 m=29 s=48
